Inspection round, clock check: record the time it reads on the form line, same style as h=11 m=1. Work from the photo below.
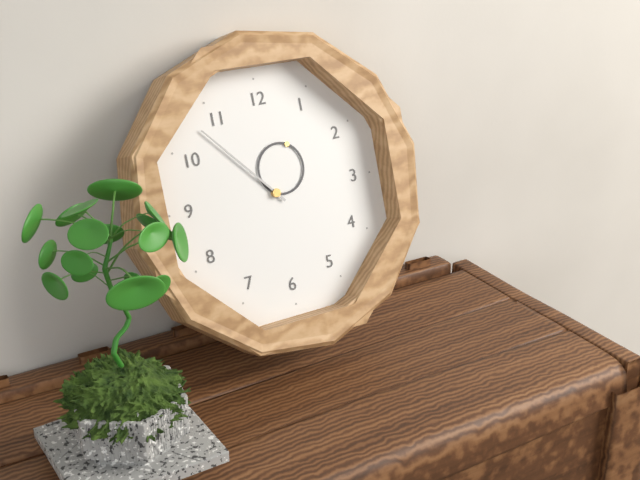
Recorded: h=12 m=53
